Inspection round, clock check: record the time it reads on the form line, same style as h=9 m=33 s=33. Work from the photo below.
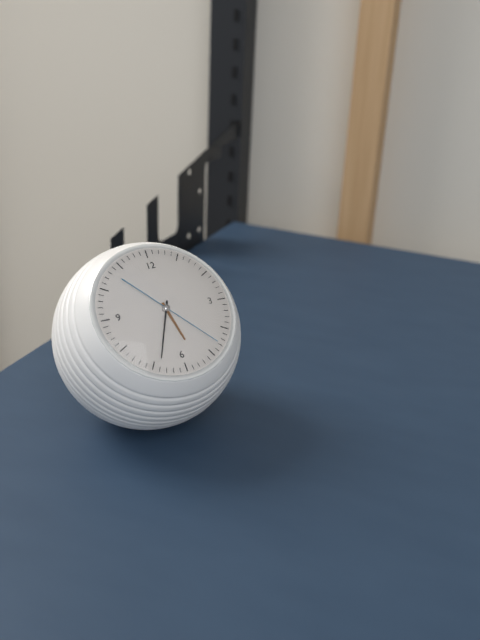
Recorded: h=5 m=34 s=23
